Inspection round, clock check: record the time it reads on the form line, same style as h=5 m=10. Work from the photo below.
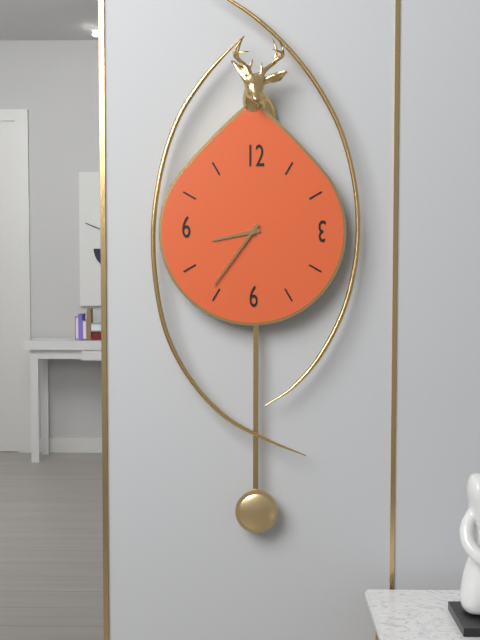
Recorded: h=8 m=36
